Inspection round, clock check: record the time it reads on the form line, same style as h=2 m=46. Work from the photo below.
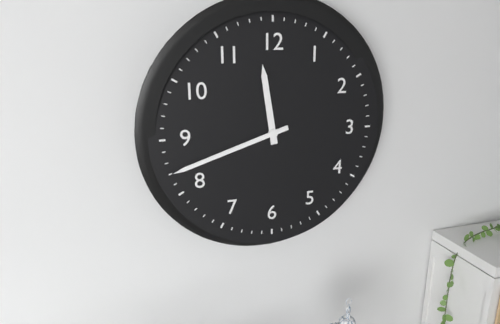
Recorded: h=11 m=42
